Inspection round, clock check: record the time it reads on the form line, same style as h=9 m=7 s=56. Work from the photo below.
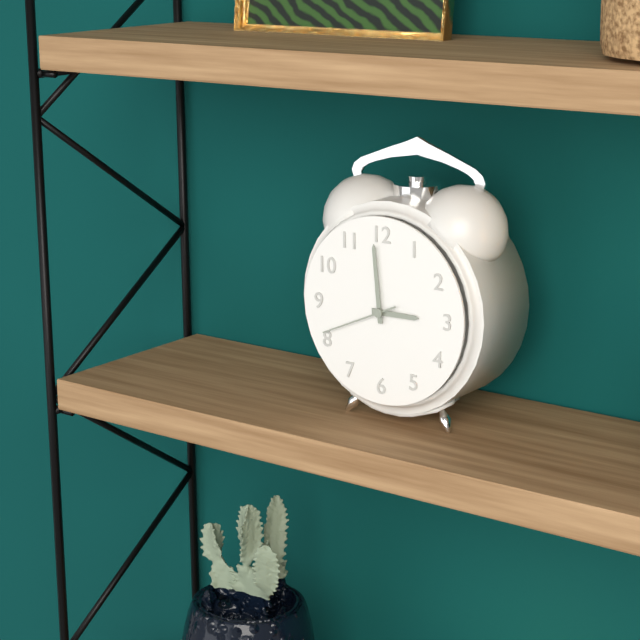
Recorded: h=2 m=59 s=41
